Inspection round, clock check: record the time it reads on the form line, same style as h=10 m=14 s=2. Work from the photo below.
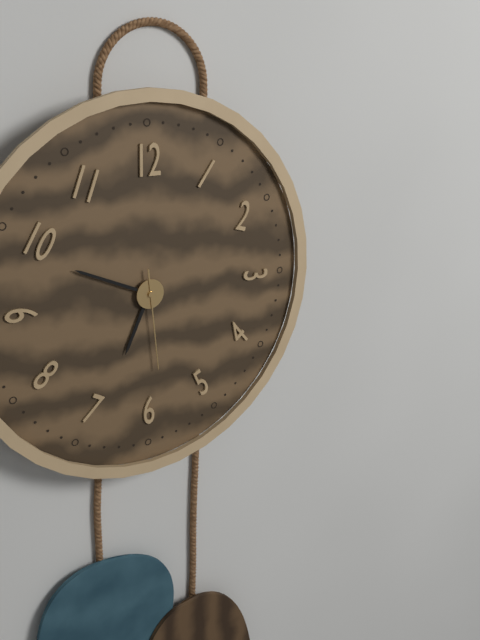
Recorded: h=6 m=49 s=29
